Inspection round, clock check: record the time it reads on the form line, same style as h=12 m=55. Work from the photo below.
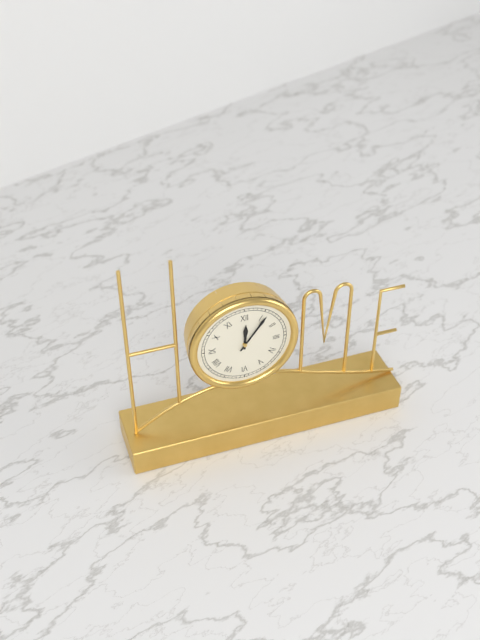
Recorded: h=12 m=6
